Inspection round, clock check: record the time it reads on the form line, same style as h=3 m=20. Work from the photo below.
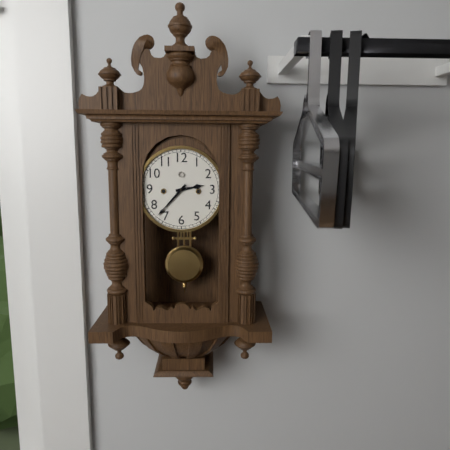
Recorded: h=2 m=37
